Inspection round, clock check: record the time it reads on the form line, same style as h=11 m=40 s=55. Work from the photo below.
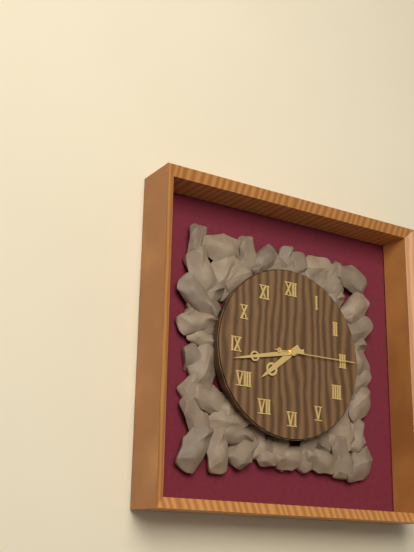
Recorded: h=7 m=43 s=15
